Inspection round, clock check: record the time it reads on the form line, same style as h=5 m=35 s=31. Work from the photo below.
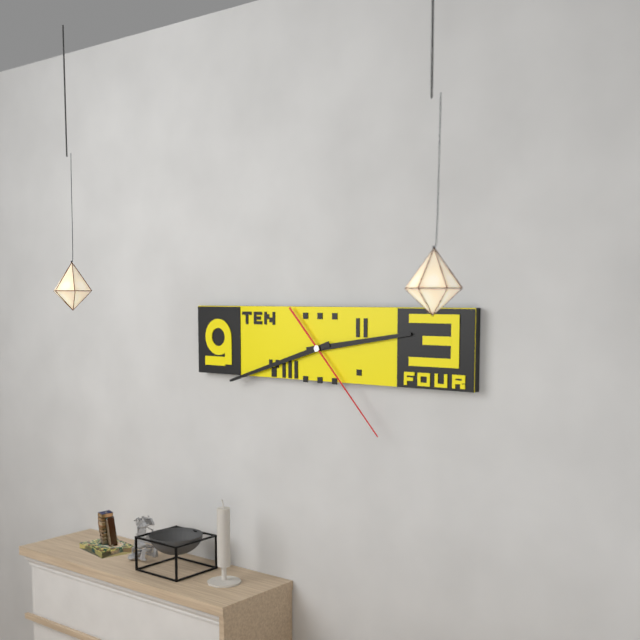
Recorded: h=2 m=42 s=23
